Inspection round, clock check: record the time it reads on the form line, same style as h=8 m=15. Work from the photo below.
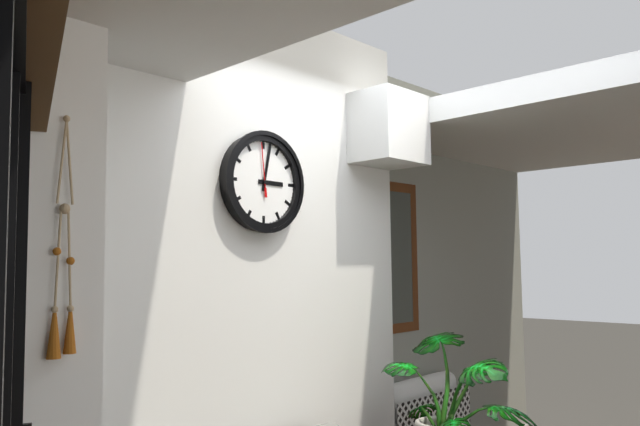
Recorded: h=3 m=2
